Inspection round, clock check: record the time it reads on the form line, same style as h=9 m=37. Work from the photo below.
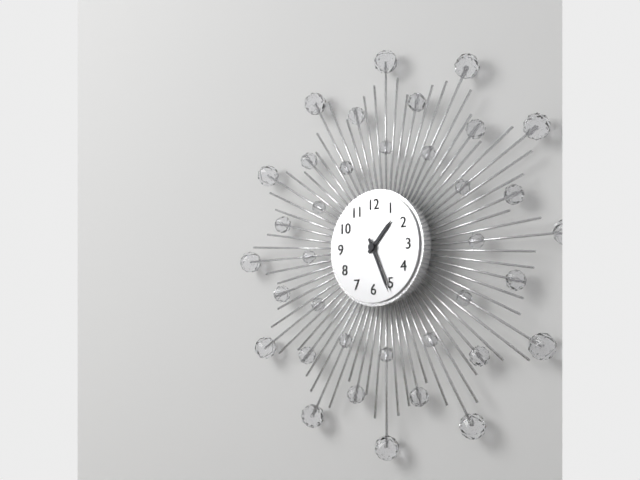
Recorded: h=1 m=26
